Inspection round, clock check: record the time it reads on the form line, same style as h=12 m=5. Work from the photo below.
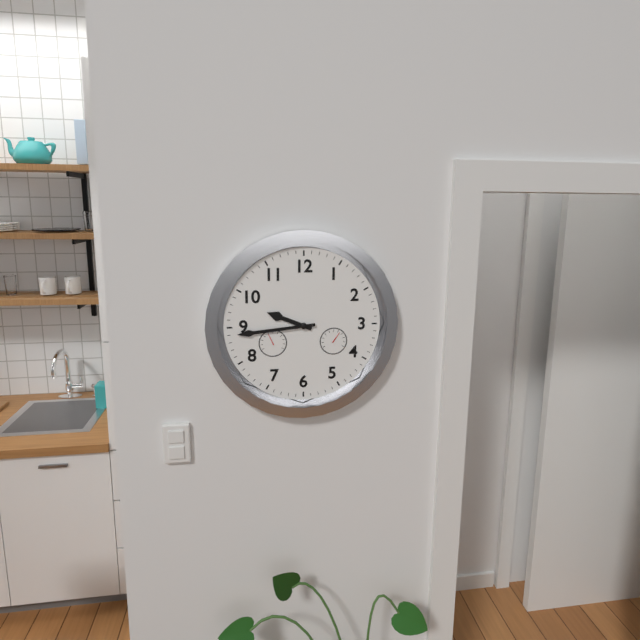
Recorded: h=9 m=44
